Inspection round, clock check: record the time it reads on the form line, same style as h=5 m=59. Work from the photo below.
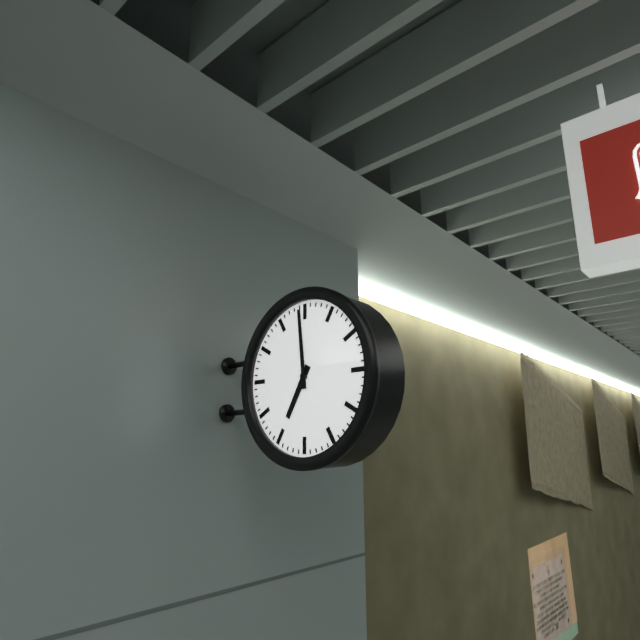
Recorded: h=6 m=59
